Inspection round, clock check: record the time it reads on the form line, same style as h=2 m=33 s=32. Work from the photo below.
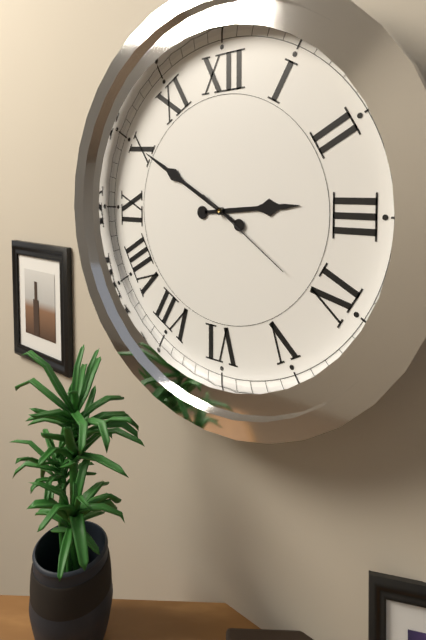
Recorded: h=2 m=50 s=21
